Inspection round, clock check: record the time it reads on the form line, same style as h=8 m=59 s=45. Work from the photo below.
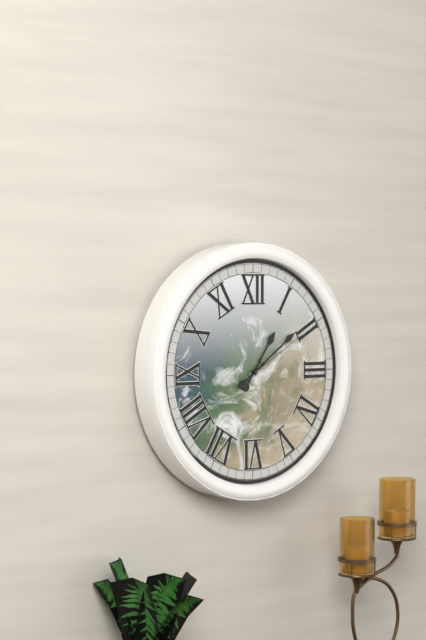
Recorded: h=1 m=9 s=10
